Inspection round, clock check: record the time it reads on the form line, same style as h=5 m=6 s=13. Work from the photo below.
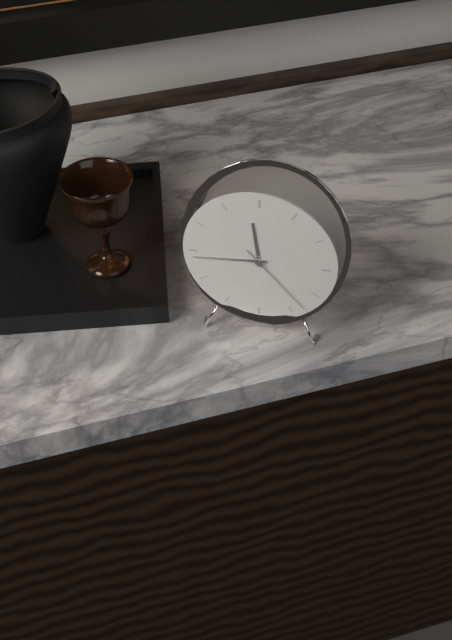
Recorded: h=11 m=44 s=23
